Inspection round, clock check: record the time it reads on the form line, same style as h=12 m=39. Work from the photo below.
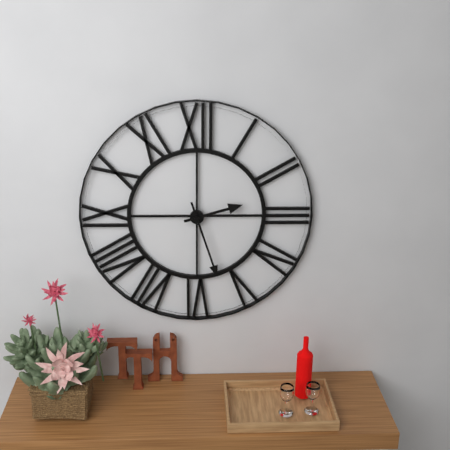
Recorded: h=2 m=27
